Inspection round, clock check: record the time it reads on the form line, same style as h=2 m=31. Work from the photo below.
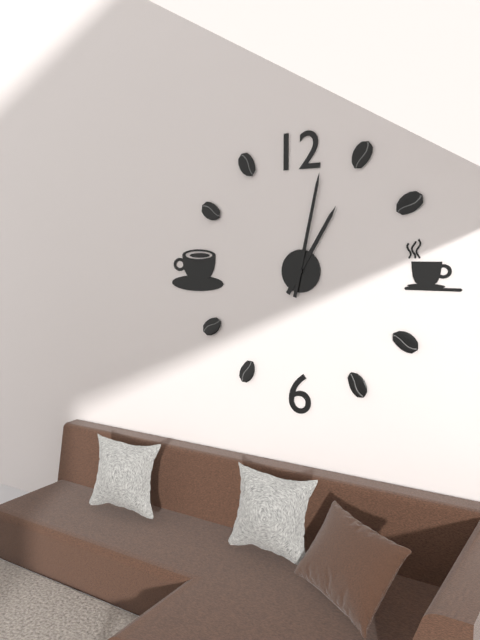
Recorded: h=1 m=2
